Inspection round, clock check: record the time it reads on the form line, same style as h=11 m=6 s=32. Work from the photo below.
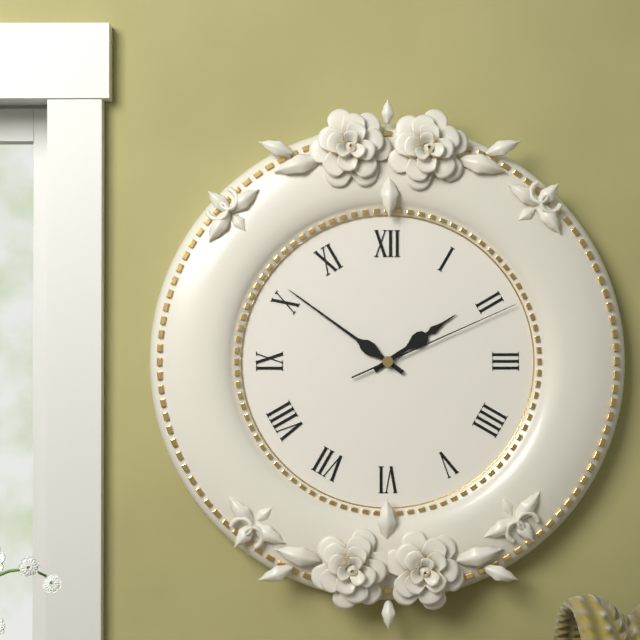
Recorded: h=1 m=51 s=11
